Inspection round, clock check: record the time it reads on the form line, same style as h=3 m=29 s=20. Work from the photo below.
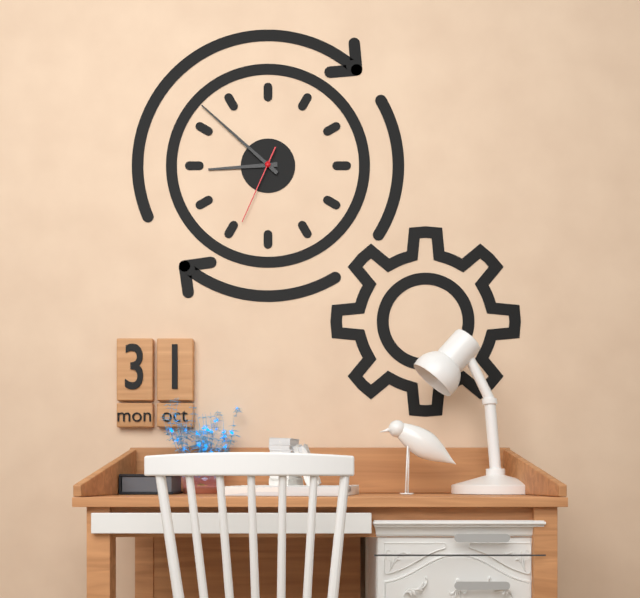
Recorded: h=8 m=52 s=34
